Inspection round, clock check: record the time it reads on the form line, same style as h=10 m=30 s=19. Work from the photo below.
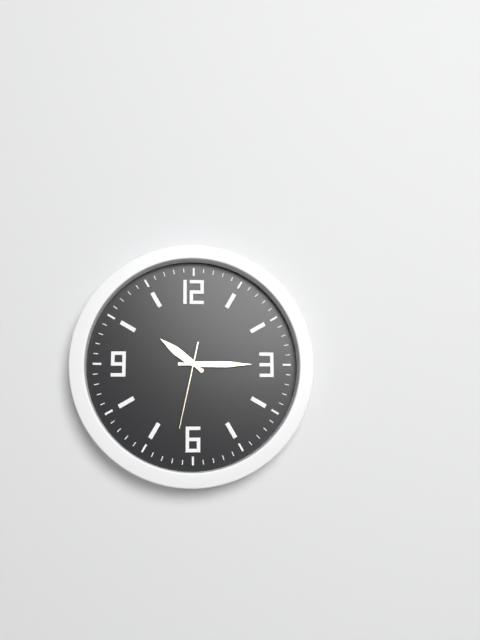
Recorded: h=10 m=15 s=32
